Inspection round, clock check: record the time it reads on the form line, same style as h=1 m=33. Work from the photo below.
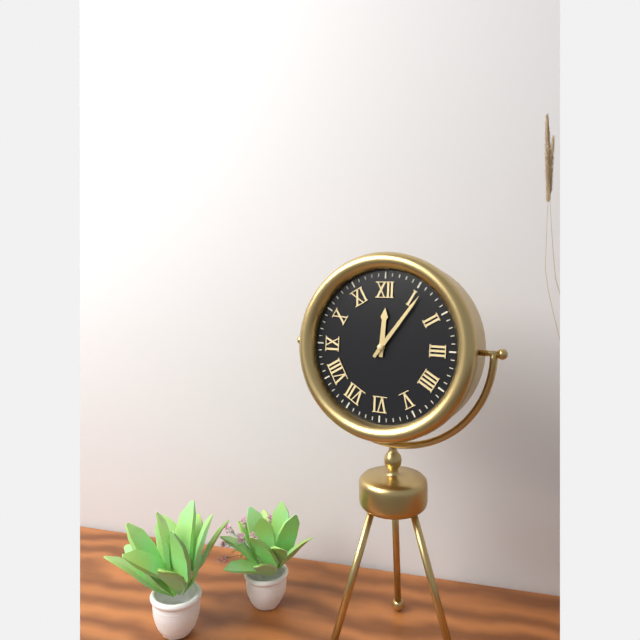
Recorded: h=12 m=6
